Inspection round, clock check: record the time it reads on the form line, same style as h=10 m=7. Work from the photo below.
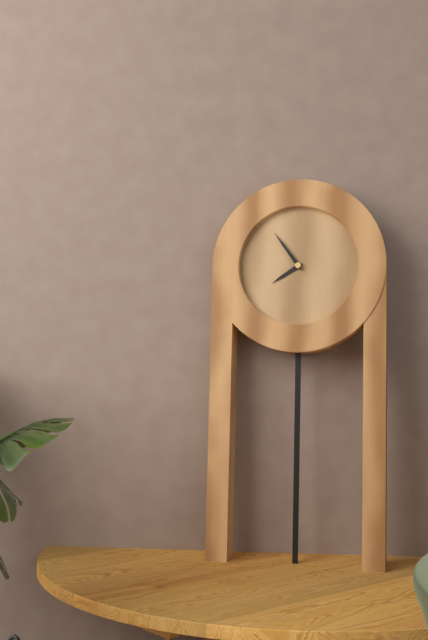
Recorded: h=7 m=54
